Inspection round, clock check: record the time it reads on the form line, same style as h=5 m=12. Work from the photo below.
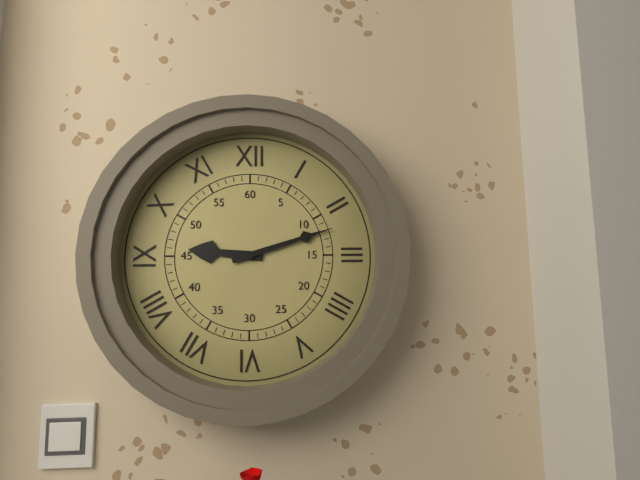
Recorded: h=9 m=12
